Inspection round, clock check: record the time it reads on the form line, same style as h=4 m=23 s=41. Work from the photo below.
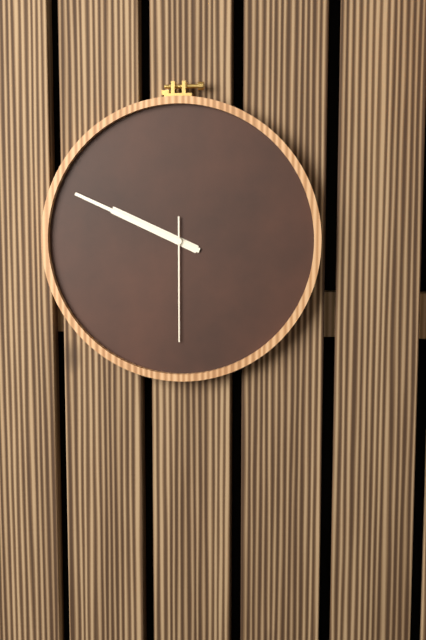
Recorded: h=9 m=49 s=30
